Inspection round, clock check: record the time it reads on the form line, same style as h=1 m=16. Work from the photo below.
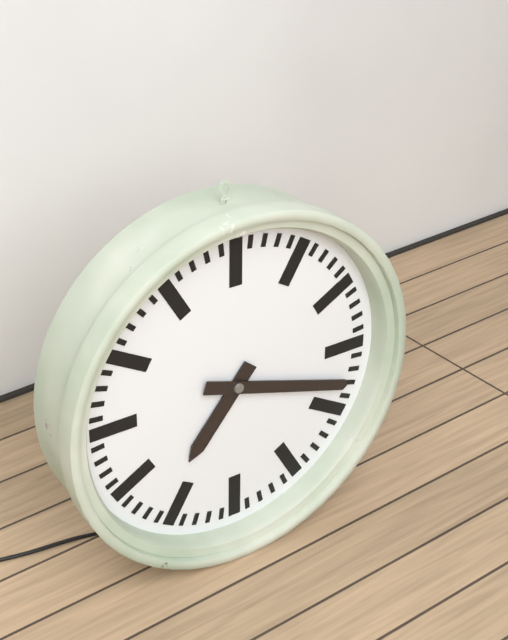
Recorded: h=7 m=18
